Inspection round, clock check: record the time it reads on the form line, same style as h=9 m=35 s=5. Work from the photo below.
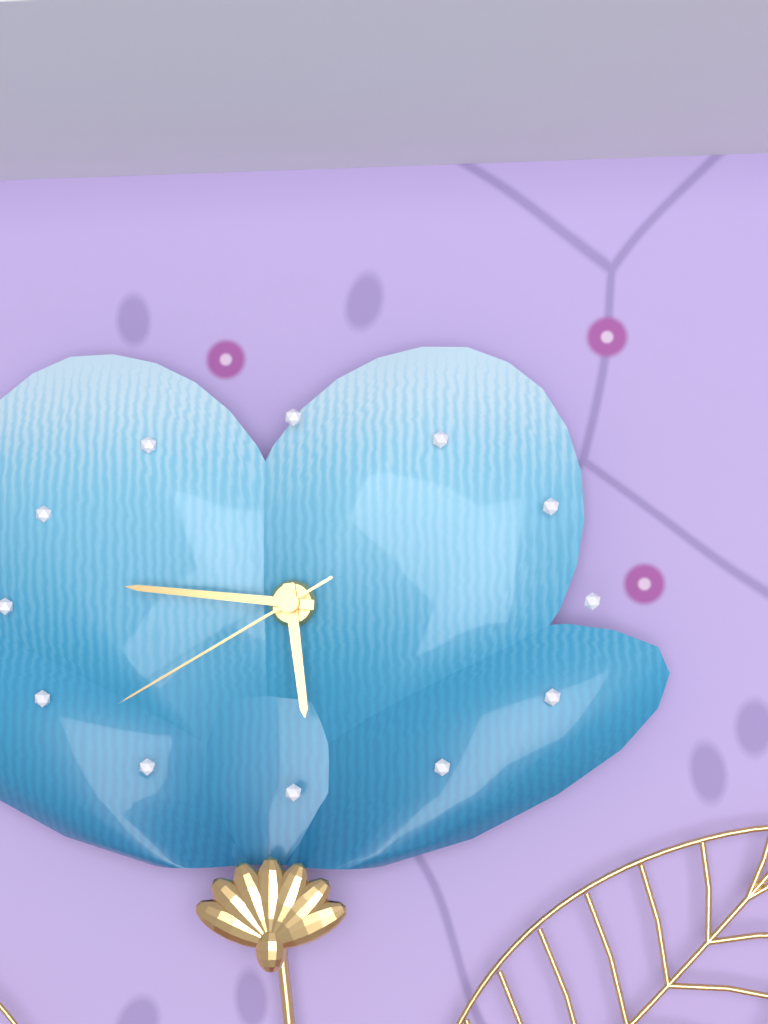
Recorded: h=5 m=46 s=40
